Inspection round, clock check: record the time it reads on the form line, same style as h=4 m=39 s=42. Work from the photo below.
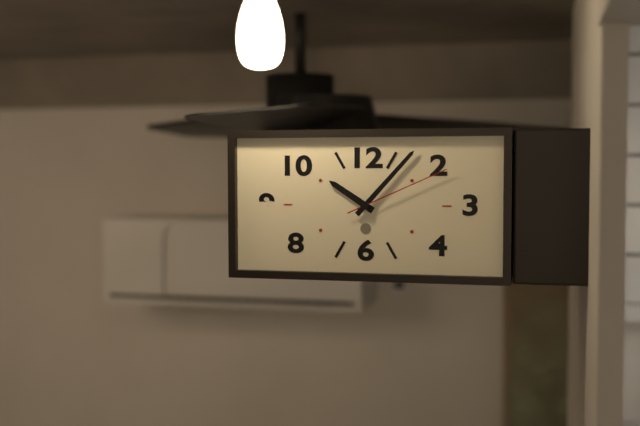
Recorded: h=10 m=7 s=11
